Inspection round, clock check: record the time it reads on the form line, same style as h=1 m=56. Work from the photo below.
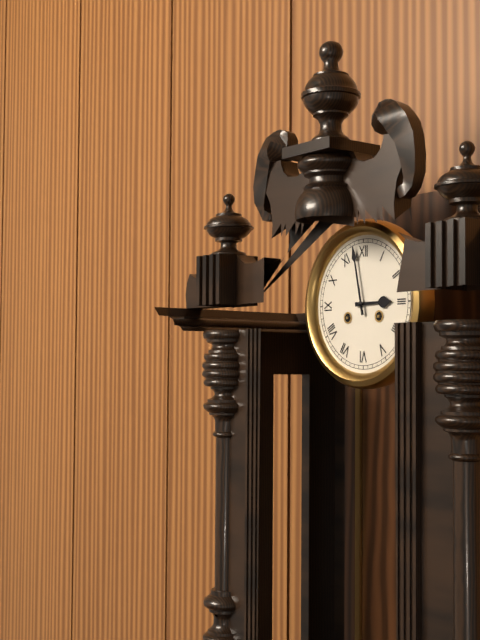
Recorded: h=2 m=58
